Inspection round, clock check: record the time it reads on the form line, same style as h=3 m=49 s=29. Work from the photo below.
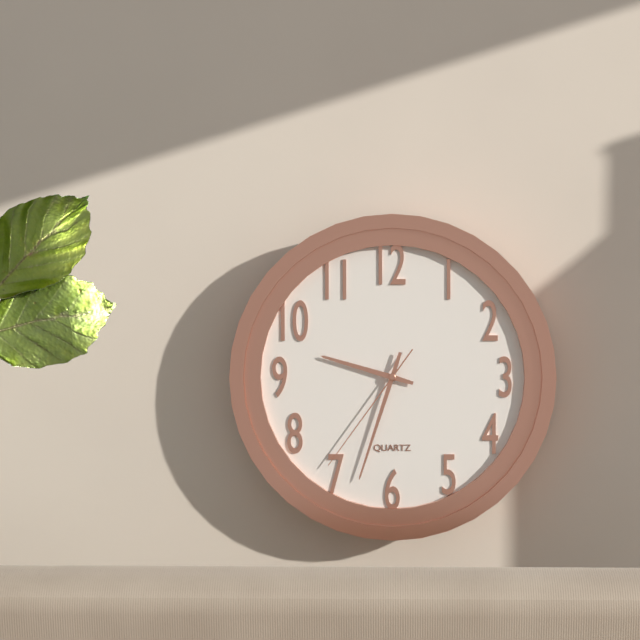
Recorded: h=9 m=33 s=36
